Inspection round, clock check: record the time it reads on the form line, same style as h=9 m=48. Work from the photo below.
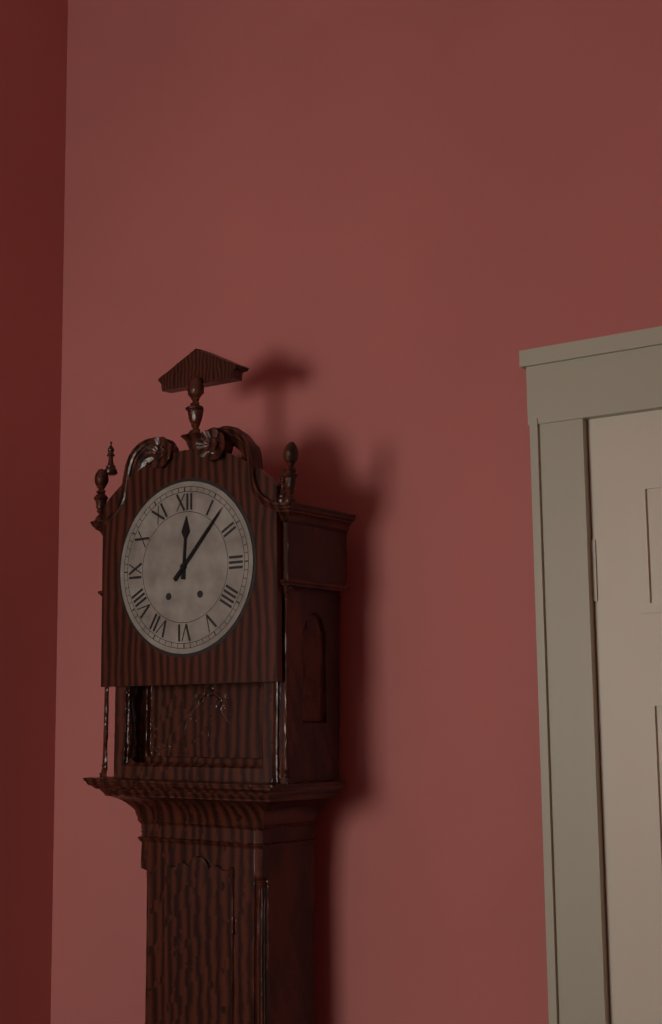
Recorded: h=12 m=7
